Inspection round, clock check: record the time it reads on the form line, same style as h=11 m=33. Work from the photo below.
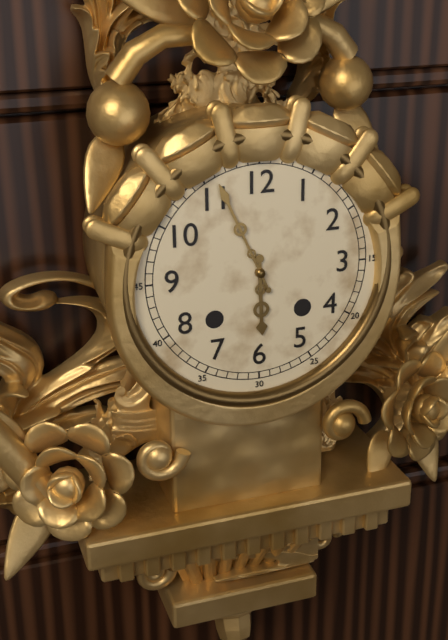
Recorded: h=5 m=56
